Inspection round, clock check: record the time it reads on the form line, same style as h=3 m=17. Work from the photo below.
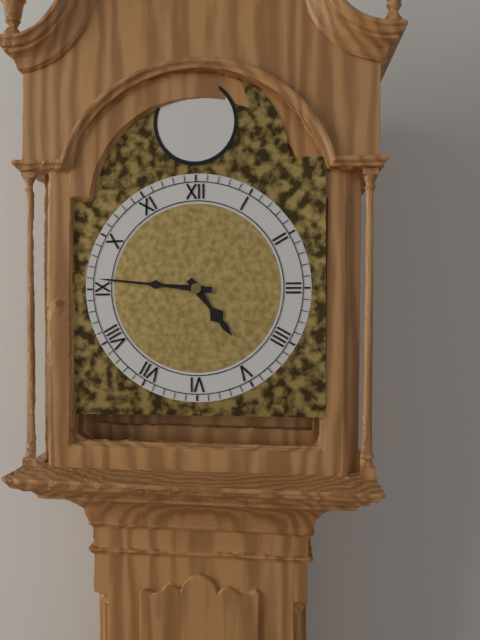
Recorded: h=4 m=46
